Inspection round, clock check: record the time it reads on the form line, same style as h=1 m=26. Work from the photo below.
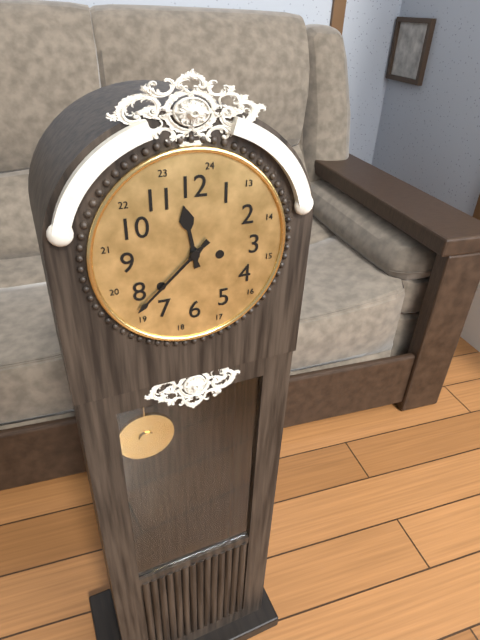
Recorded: h=11 m=38
